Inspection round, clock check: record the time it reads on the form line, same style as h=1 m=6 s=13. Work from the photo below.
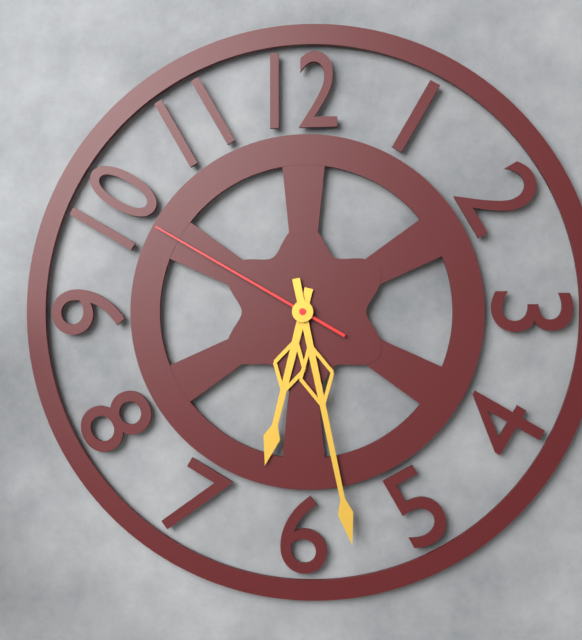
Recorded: h=6 m=28 s=50
